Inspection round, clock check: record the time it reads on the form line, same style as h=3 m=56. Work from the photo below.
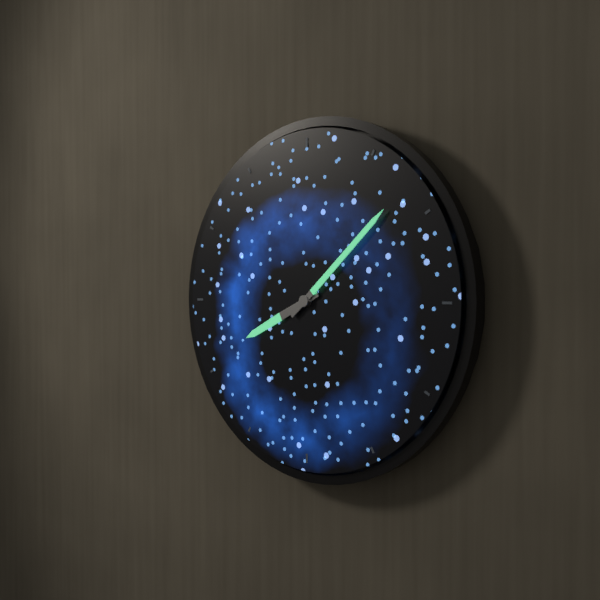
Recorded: h=8 m=8
